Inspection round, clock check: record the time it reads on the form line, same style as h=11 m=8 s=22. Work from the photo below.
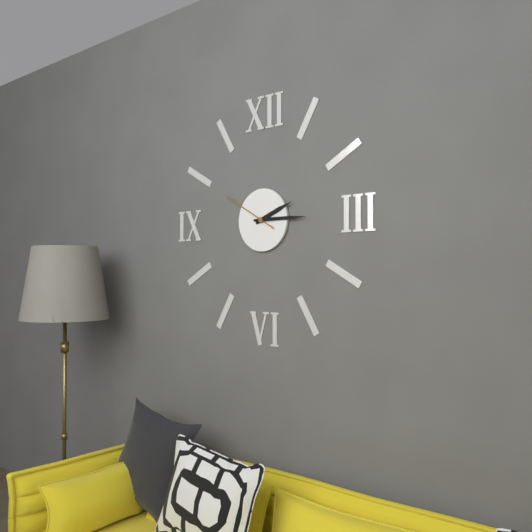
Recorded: h=2 m=15 s=50
